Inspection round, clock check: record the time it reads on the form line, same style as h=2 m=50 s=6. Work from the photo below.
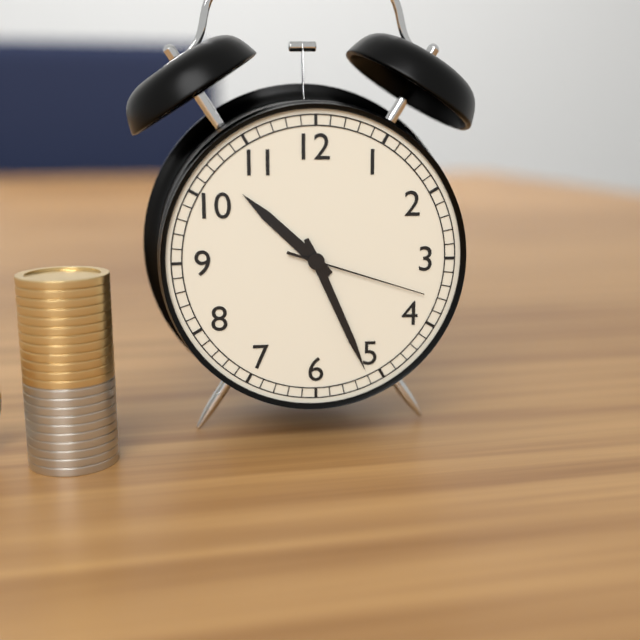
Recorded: h=10 m=26 s=18
